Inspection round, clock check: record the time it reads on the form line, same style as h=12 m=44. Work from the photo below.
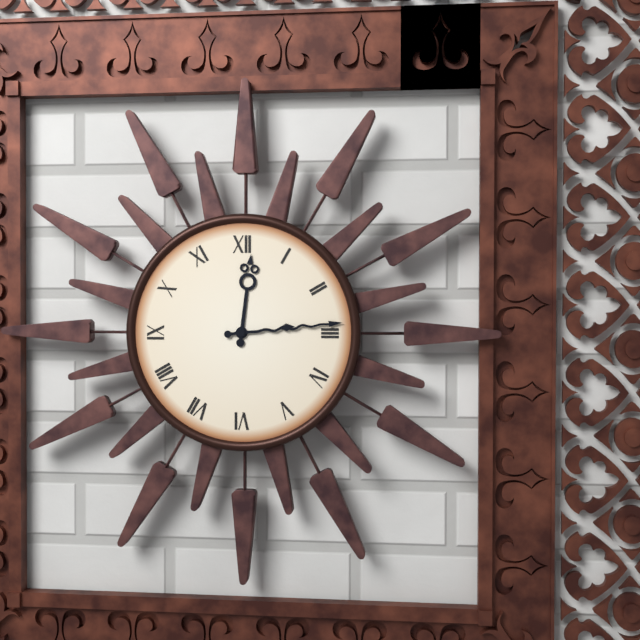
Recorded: h=12 m=14
